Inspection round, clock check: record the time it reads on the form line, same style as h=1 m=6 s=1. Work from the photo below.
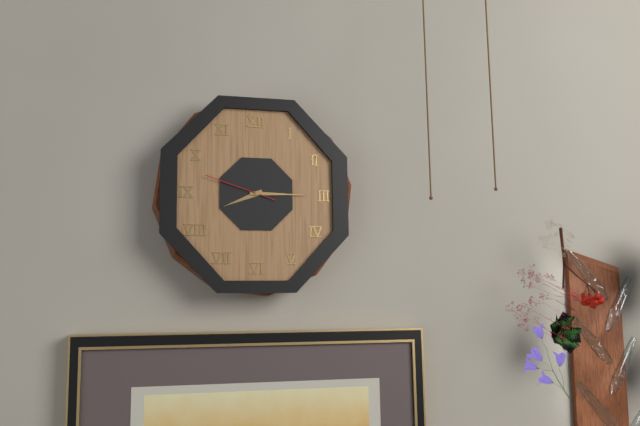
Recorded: h=8 m=15 s=48
